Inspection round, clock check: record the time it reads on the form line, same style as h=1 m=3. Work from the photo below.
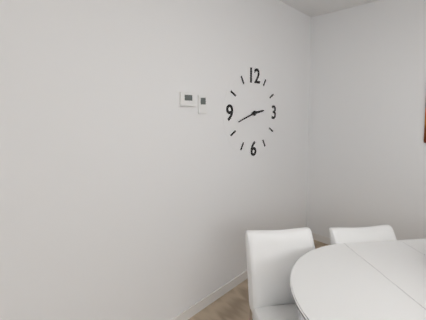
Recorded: h=2 m=42
